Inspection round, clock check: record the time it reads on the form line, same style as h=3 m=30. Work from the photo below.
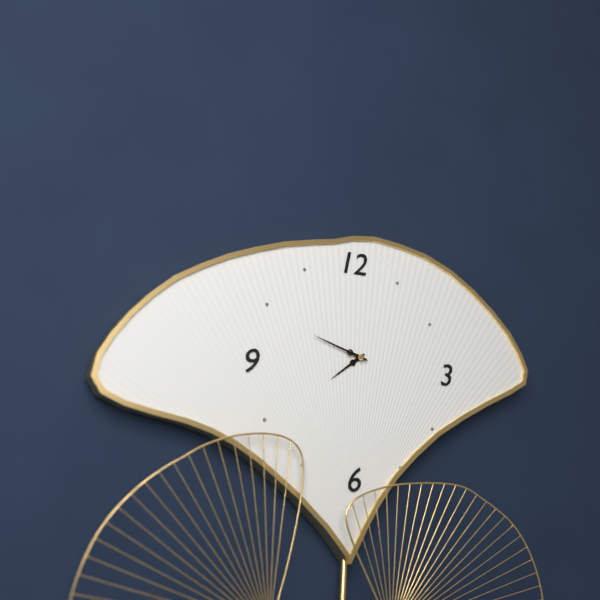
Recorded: h=7 m=48
